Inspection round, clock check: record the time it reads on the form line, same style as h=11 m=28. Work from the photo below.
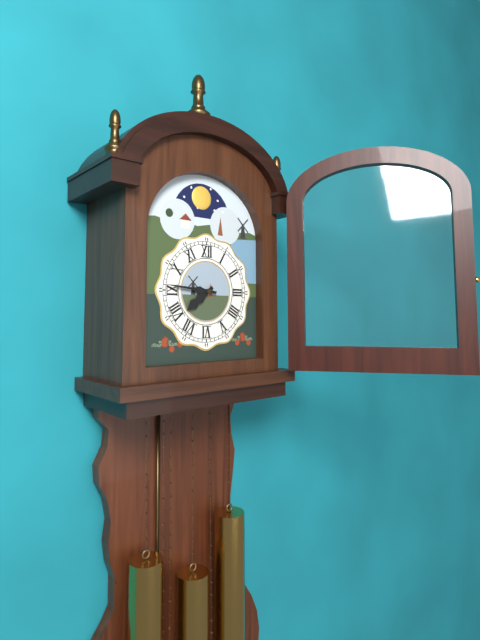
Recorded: h=7 m=46
